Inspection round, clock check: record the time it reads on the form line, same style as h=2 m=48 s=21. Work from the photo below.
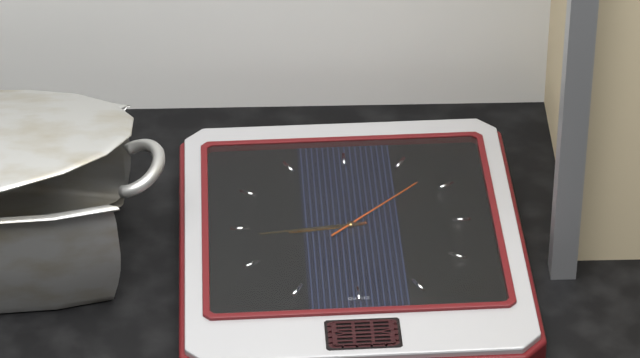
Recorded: h=8 m=44 s=8
